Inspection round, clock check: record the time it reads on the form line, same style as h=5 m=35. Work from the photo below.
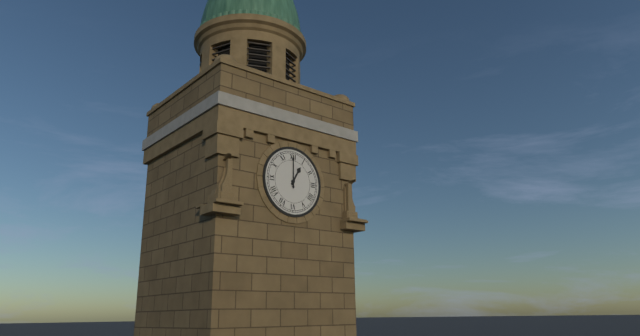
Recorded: h=1 m=0
